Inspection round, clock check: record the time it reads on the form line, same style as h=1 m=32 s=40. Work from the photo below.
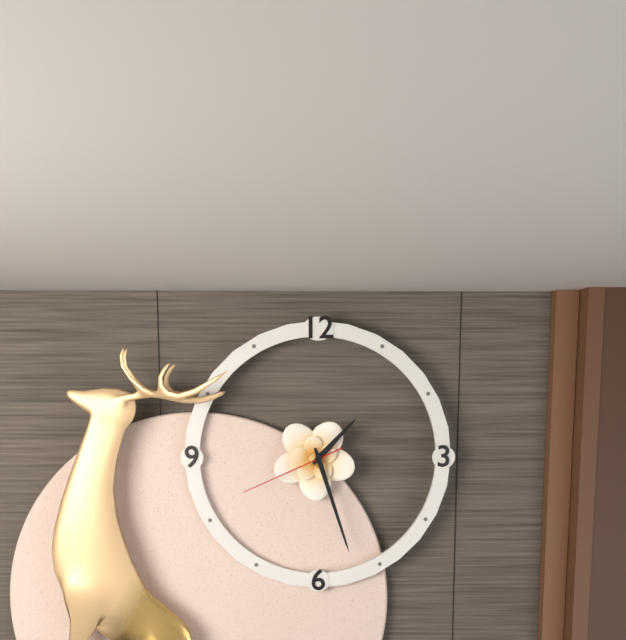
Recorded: h=1 m=27 s=41
